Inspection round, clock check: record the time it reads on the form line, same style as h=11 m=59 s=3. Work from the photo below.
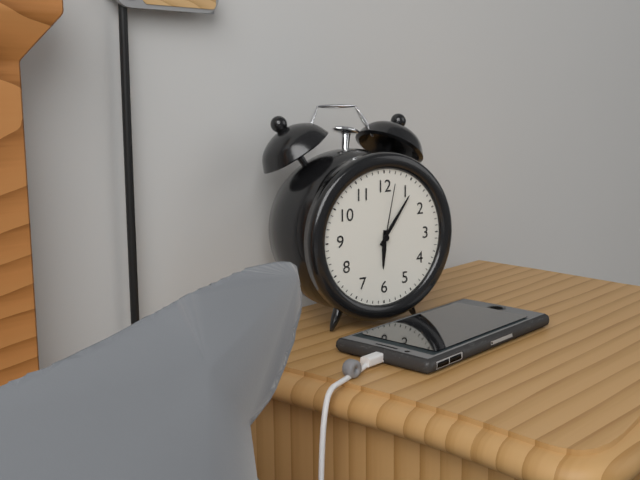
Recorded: h=6 m=6 s=2
